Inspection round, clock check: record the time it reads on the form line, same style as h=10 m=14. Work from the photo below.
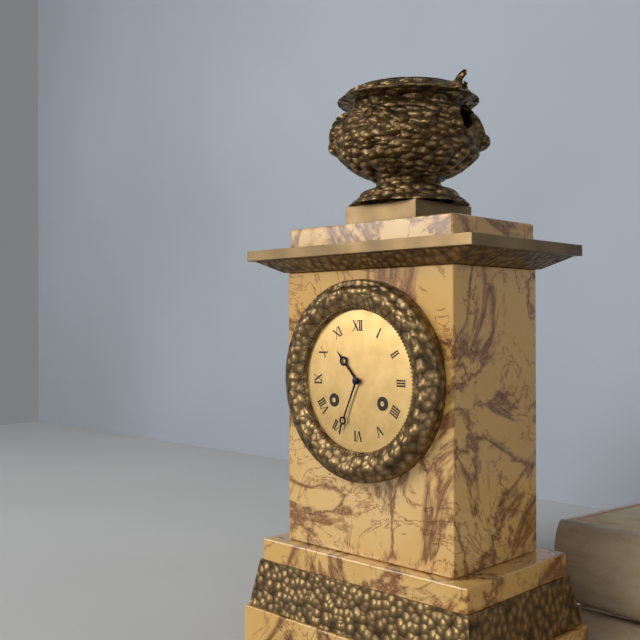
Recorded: h=10 m=34
